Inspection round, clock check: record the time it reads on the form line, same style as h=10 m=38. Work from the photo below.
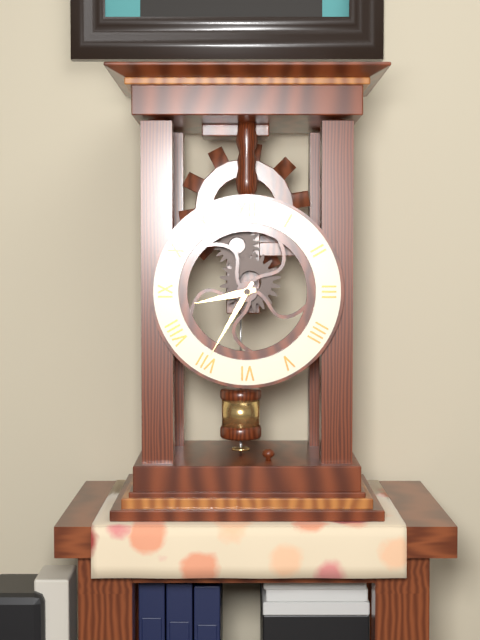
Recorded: h=8 m=35
